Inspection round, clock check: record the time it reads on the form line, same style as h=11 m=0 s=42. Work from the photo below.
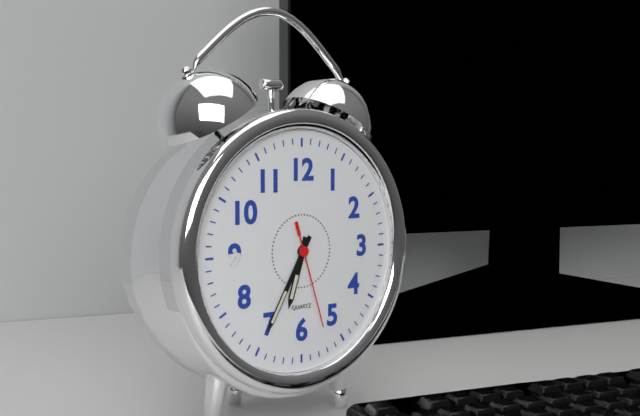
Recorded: h=6 m=35 s=27
